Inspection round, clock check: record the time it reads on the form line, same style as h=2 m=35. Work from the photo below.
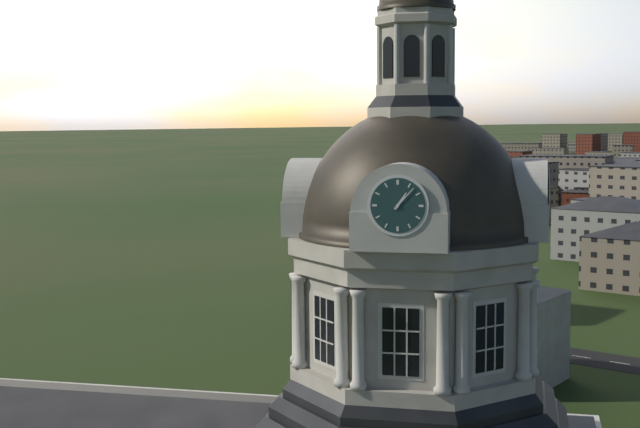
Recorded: h=1 m=7
